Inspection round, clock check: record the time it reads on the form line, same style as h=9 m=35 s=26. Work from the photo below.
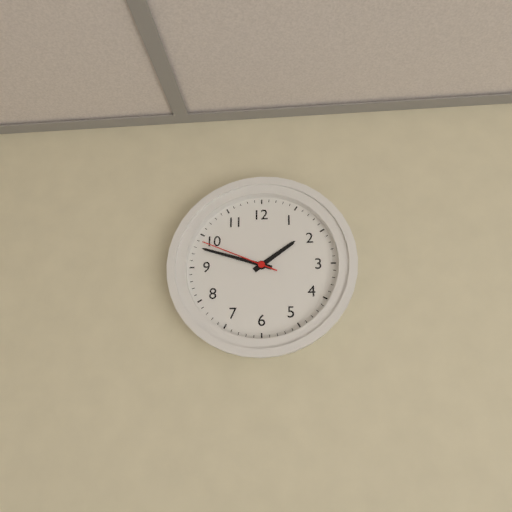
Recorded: h=1 m=48 s=49
